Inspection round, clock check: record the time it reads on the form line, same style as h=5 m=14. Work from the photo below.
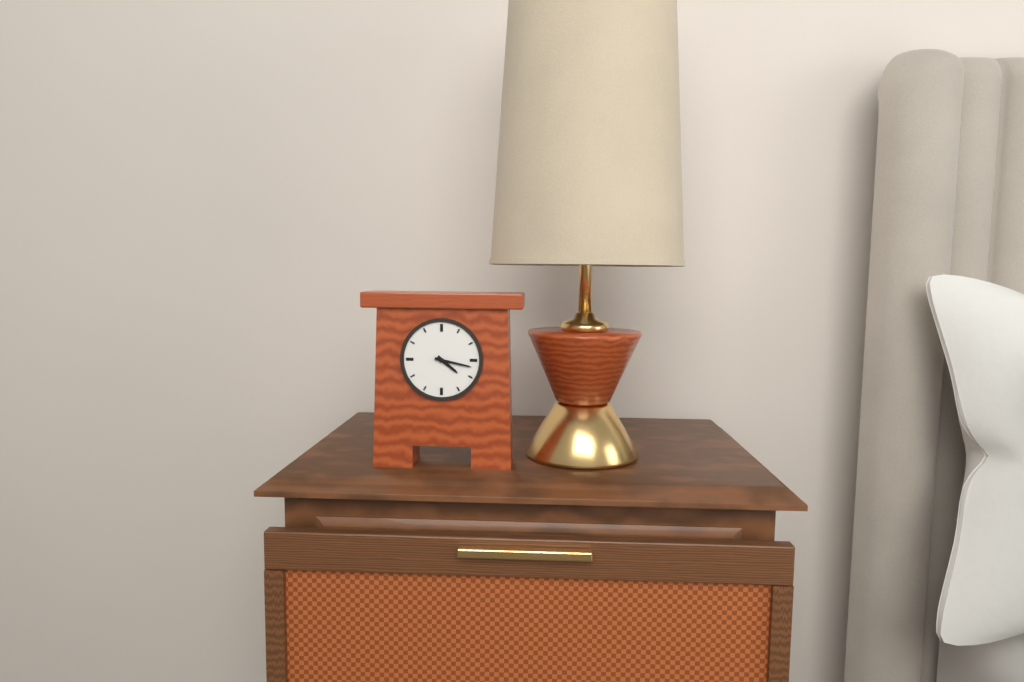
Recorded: h=4 m=17
